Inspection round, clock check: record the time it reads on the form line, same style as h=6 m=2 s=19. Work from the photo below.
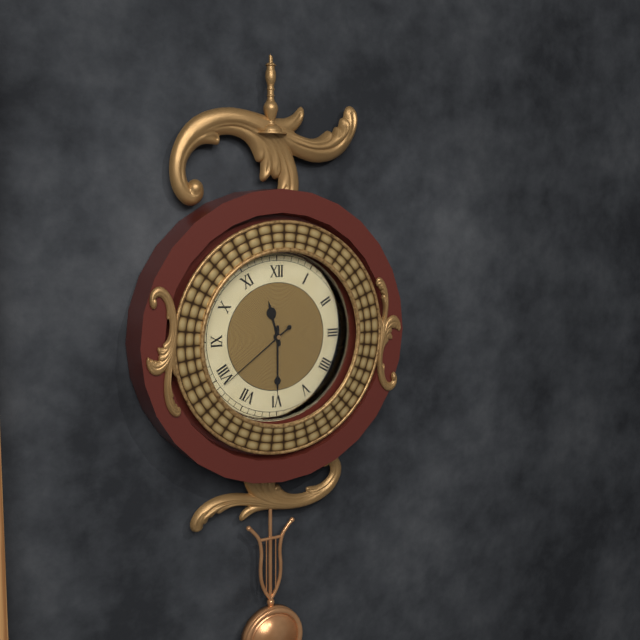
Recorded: h=11 m=30 s=39
